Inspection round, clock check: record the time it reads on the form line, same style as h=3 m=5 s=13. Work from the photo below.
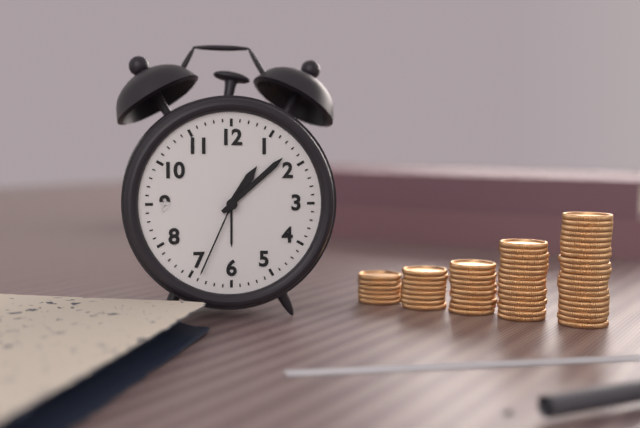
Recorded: h=1 m=8 s=34
